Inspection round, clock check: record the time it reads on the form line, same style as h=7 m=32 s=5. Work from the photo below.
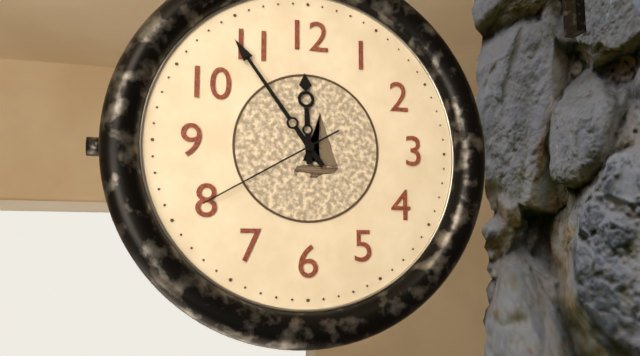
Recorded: h=11 m=54 s=40
